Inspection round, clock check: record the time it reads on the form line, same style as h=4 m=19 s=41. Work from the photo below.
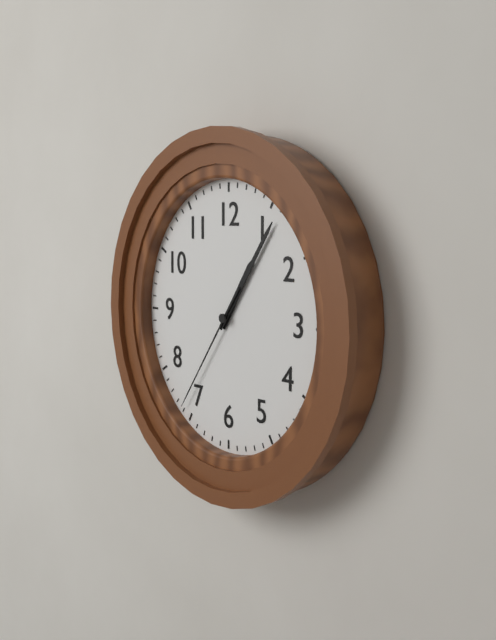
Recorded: h=1 m=6 s=36
